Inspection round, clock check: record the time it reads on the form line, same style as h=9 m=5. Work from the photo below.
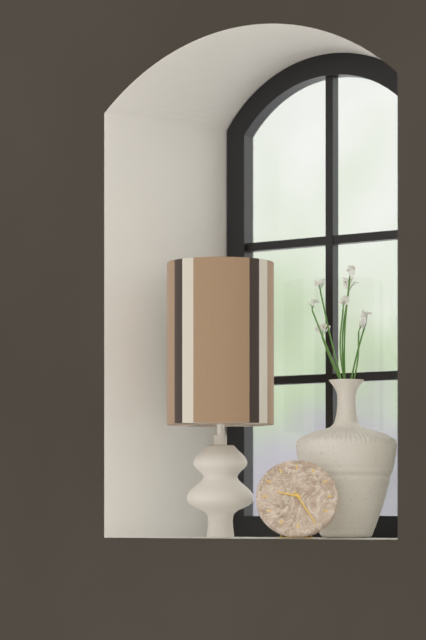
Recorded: h=9 m=25
